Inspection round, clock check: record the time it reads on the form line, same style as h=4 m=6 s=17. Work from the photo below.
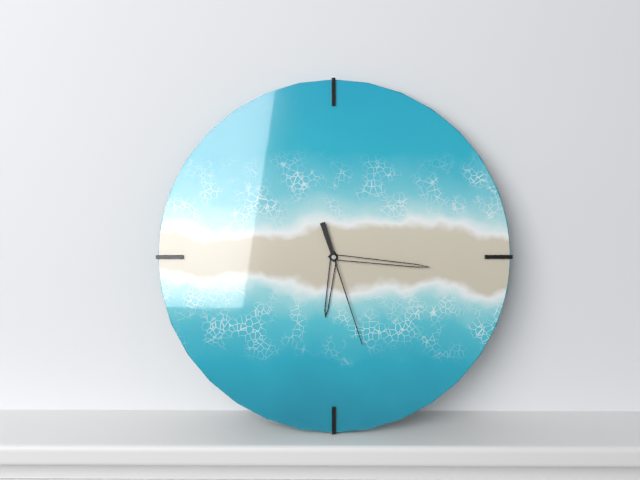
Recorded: h=6 m=16 s=27
